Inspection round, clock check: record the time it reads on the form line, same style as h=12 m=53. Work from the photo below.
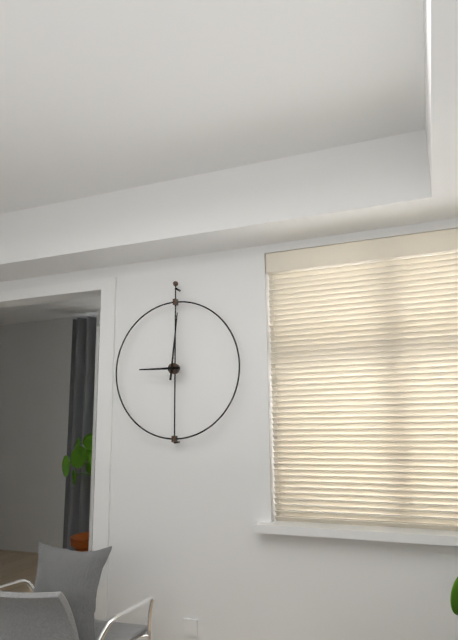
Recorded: h=9 m=1
